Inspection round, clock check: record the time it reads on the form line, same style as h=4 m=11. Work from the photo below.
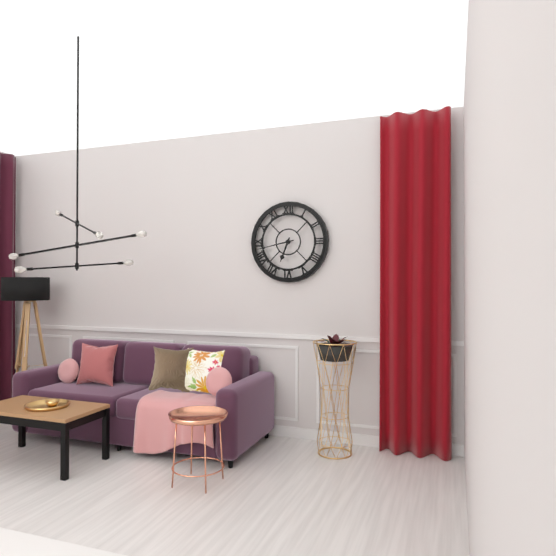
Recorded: h=6 m=43
